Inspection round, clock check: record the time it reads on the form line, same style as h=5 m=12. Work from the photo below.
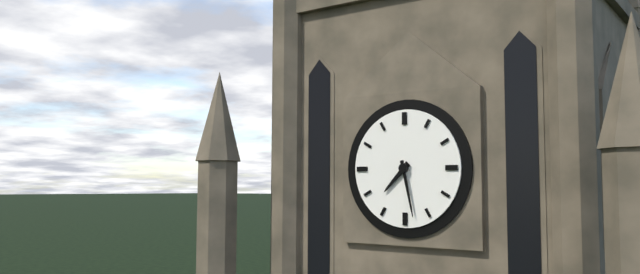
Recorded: h=7 m=28
